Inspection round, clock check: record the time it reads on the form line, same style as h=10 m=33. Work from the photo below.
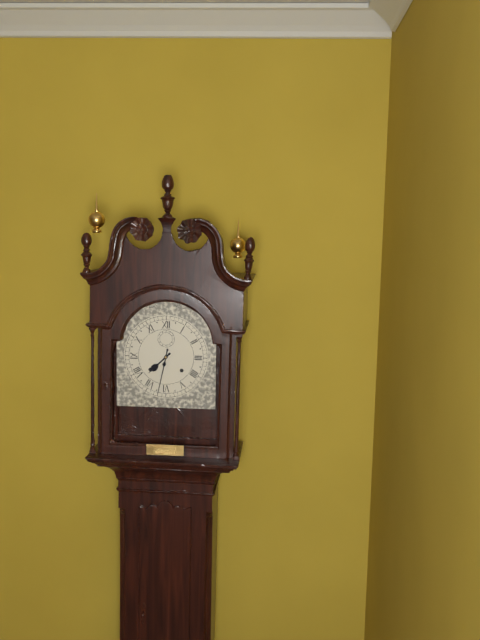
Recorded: h=7 m=32
